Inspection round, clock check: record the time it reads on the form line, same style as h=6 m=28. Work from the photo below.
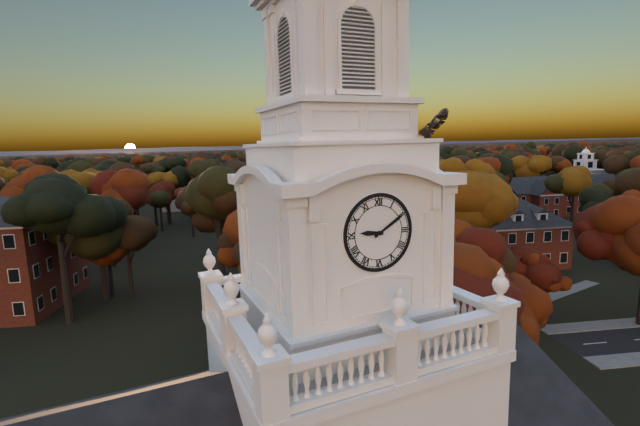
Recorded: h=9 m=10
